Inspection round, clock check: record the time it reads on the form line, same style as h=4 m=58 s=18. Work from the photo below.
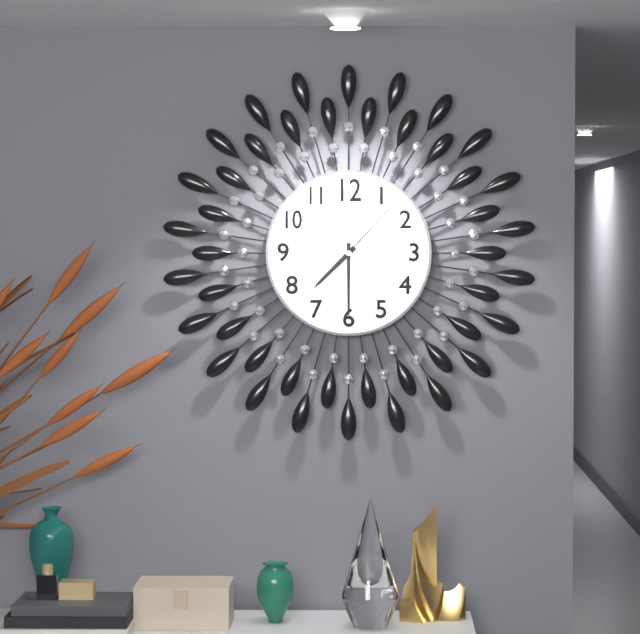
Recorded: h=7 m=30 s=7
